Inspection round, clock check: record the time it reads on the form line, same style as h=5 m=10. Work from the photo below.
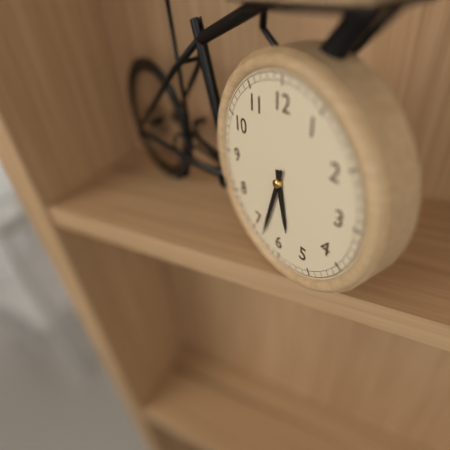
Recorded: h=5 m=33
